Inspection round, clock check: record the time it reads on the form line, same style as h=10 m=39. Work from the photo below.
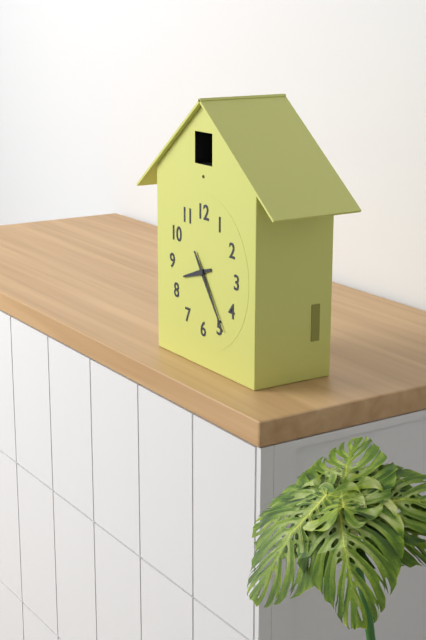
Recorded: h=8 m=24
